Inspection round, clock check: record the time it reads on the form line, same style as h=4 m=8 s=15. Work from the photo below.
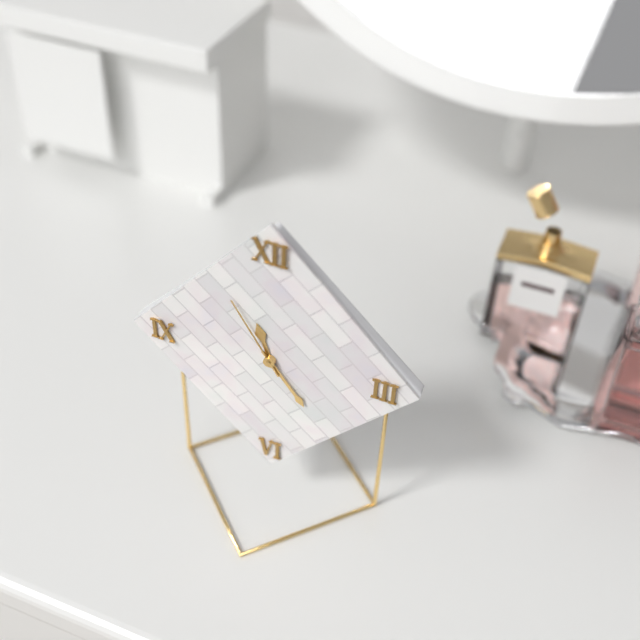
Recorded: h=11 m=24 s=55
